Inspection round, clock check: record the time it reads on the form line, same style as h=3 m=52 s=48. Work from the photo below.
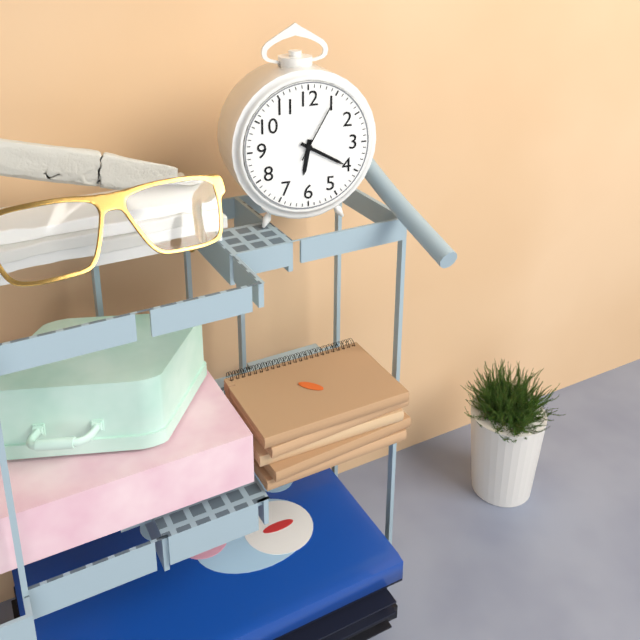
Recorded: h=6 m=20 s=5
